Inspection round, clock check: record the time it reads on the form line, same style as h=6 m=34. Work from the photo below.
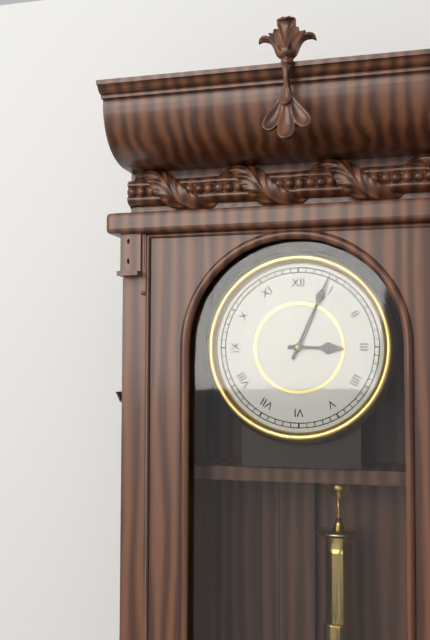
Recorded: h=3 m=4
